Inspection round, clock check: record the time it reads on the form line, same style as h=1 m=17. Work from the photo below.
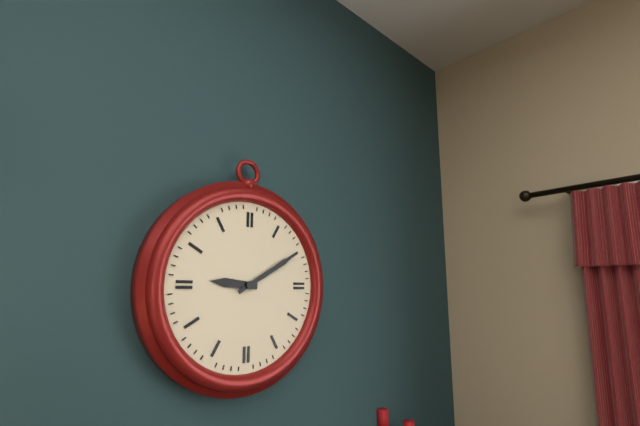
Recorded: h=9 m=10
